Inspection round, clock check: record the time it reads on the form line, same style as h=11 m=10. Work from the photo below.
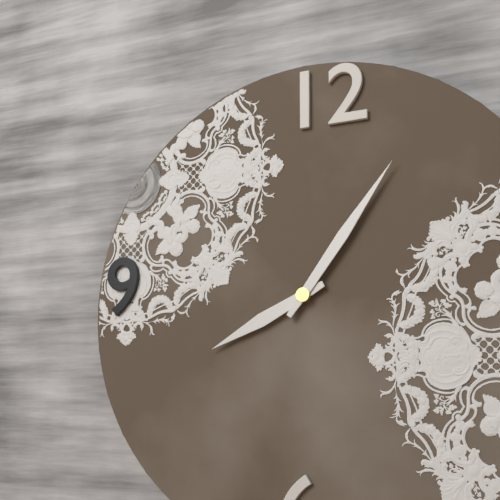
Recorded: h=8 m=6
